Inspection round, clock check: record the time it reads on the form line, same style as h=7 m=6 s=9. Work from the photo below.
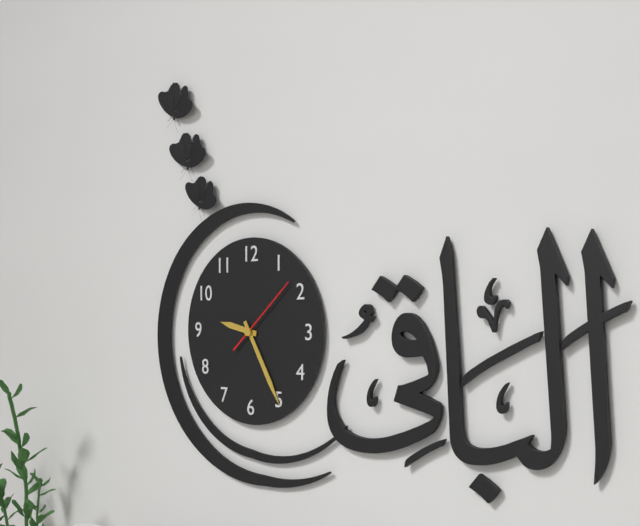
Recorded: h=9 m=25 s=8
